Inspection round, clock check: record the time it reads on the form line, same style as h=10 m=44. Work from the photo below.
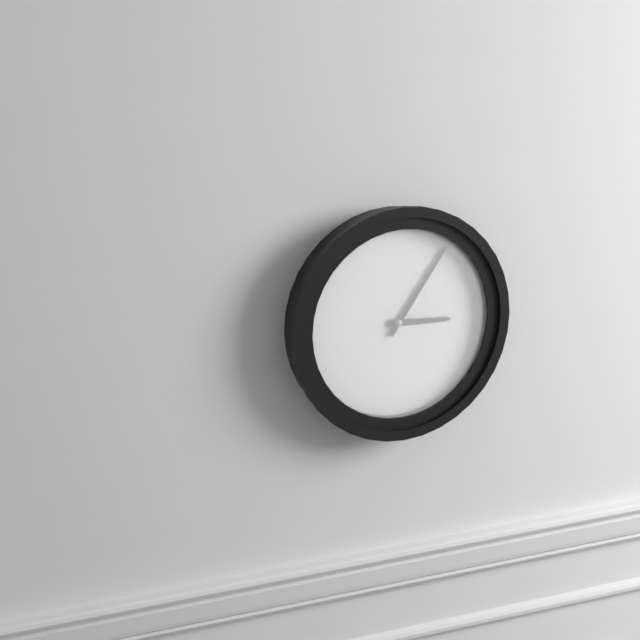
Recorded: h=3 m=6
